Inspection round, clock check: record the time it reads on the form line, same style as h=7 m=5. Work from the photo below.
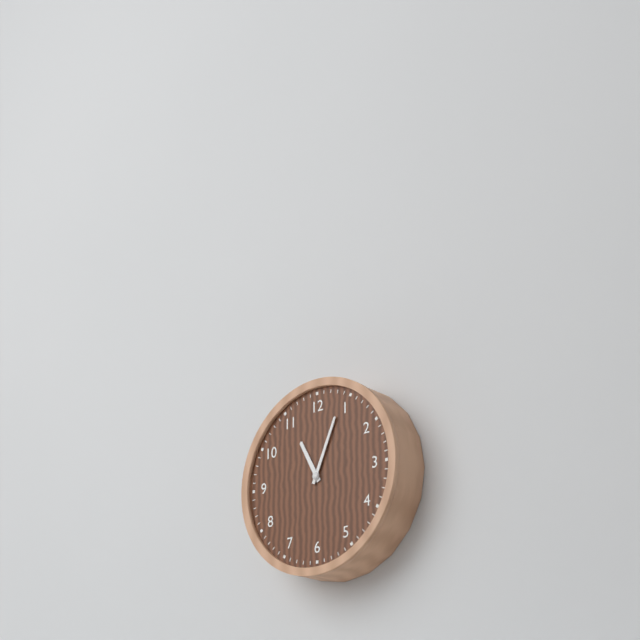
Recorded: h=11 m=4
